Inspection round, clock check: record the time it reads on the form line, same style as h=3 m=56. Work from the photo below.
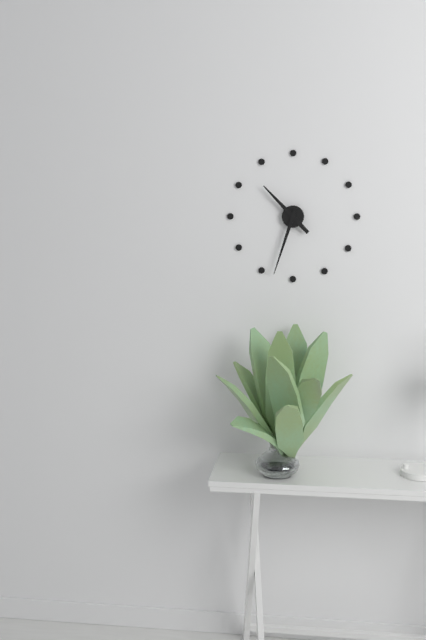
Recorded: h=10 m=33
